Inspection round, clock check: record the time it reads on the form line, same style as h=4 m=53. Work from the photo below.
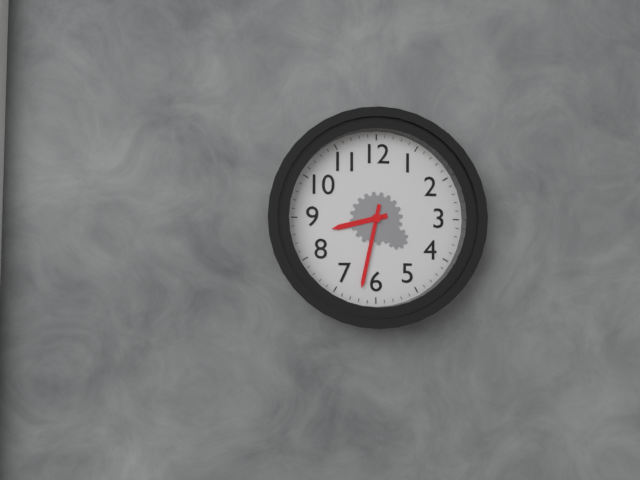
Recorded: h=8 m=32
